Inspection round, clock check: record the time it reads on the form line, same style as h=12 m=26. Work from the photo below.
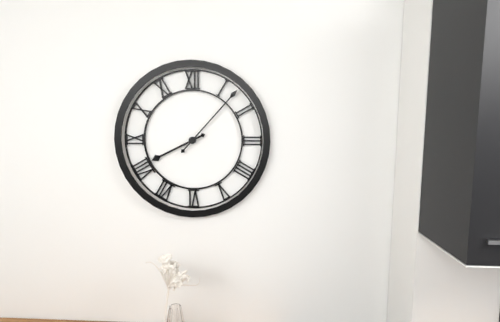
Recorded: h=8 m=7
